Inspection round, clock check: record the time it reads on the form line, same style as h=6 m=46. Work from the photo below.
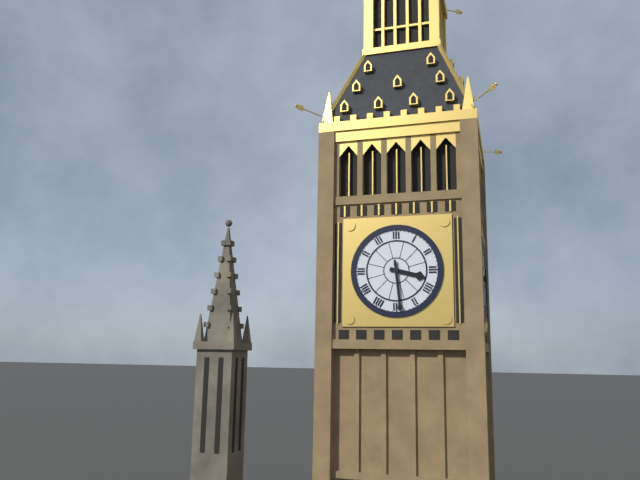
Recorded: h=3 m=29
